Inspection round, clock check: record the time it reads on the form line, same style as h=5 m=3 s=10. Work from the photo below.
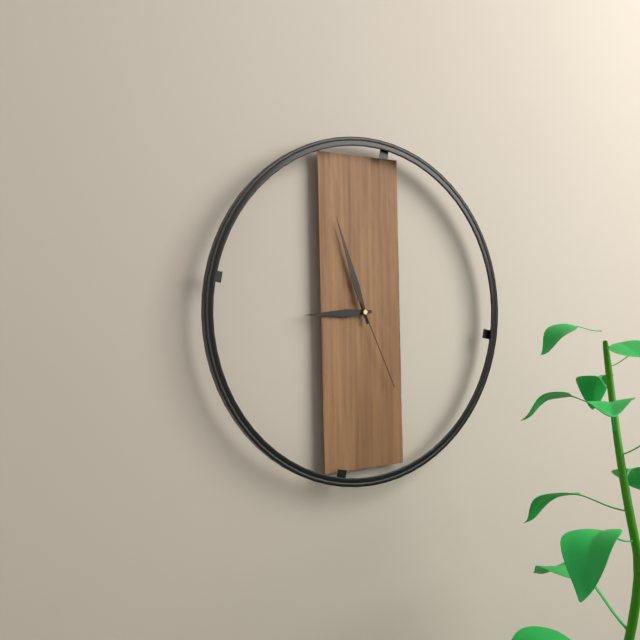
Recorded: h=8 m=57 s=26
